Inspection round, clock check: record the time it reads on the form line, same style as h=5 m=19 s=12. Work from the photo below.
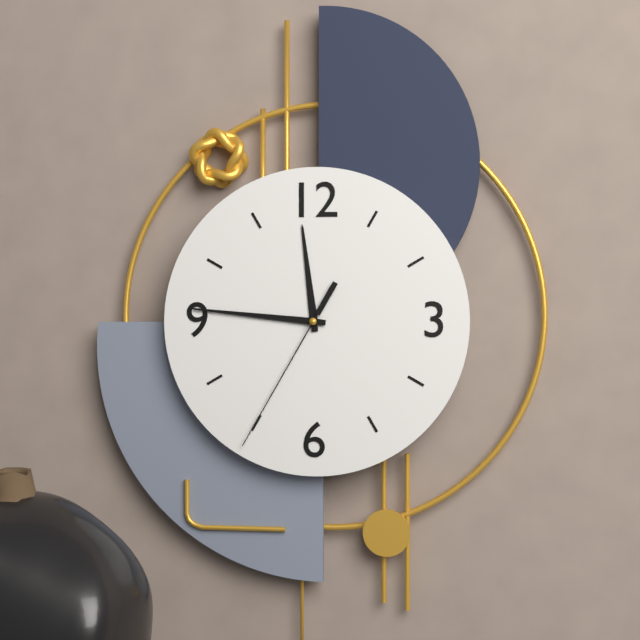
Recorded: h=11 m=46 s=35
